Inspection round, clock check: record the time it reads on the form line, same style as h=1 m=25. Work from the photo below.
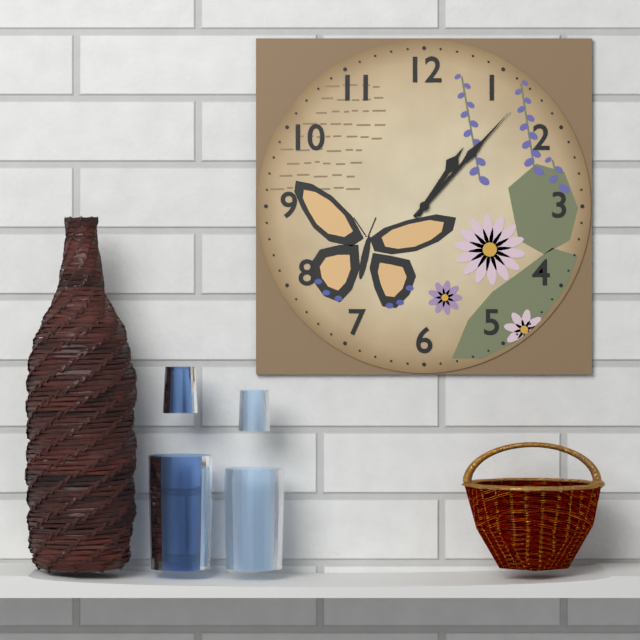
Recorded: h=1 m=7
